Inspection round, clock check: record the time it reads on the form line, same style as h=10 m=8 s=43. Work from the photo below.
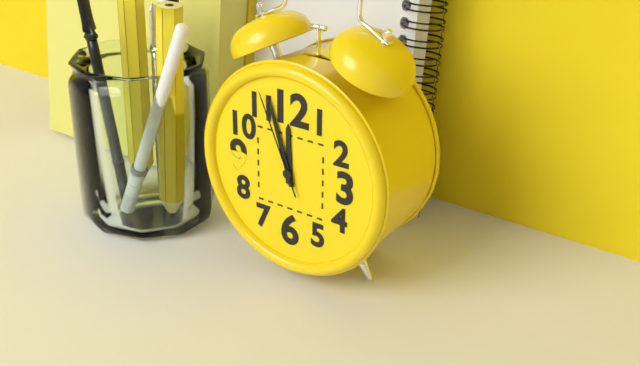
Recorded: h=11 m=57 s=56
